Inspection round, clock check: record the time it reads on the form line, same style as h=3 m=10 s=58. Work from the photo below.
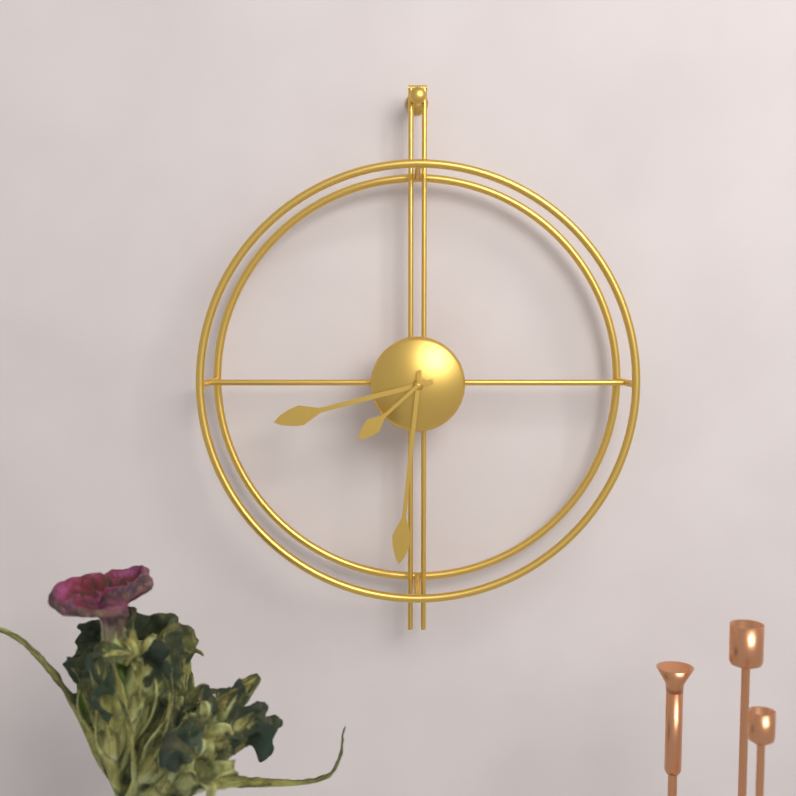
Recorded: h=8 m=31 s=38
